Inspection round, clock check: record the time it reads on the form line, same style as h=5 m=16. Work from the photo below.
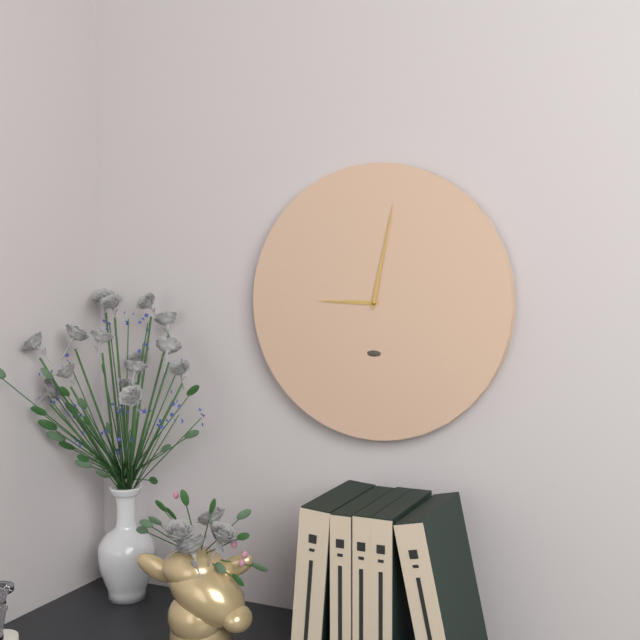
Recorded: h=9 m=2
